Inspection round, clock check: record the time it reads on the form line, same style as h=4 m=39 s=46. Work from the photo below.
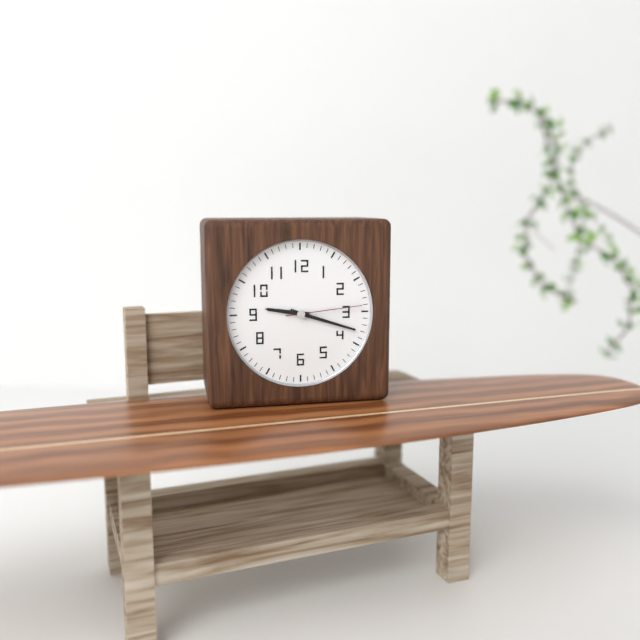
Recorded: h=9 m=18 s=14
